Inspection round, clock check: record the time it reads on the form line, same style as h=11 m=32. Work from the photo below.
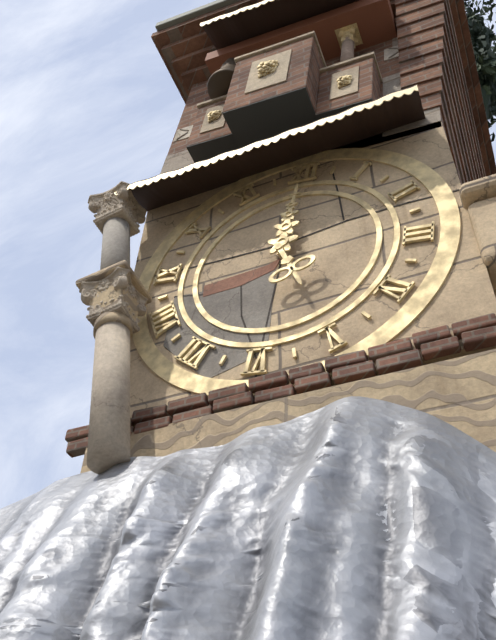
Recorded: h=5 m=0
